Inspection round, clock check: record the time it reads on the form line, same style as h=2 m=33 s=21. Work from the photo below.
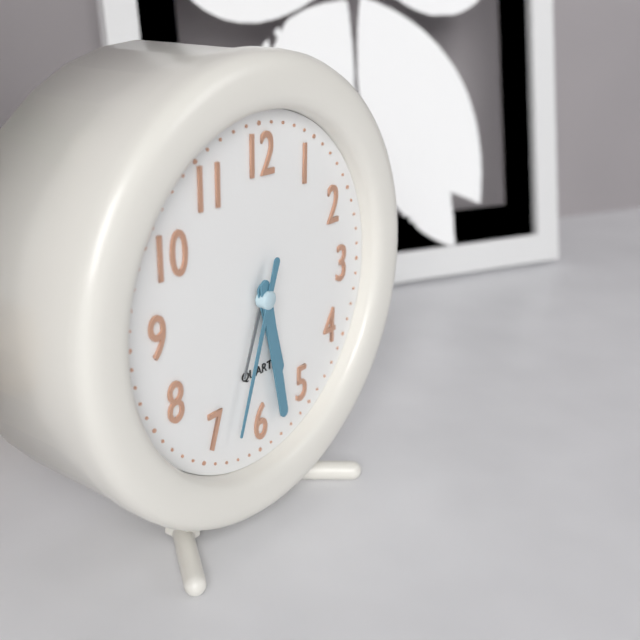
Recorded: h=5 m=28 s=33
